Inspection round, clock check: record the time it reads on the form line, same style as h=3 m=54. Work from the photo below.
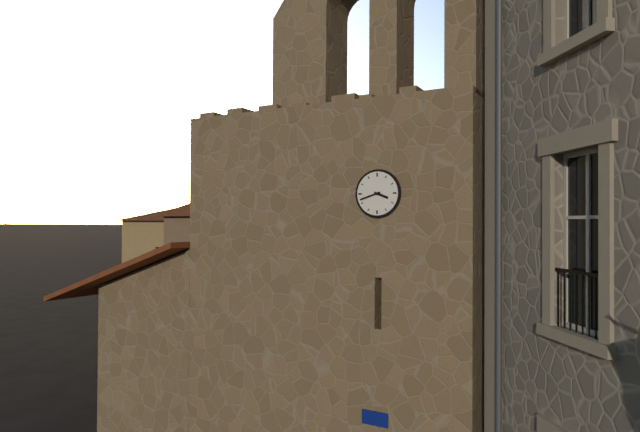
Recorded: h=3 m=42
